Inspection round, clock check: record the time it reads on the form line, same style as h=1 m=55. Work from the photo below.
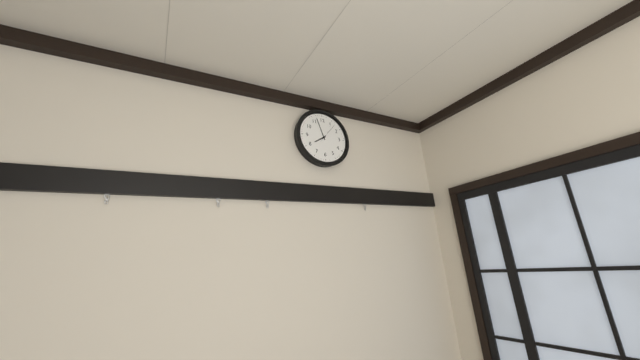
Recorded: h=7 m=57
